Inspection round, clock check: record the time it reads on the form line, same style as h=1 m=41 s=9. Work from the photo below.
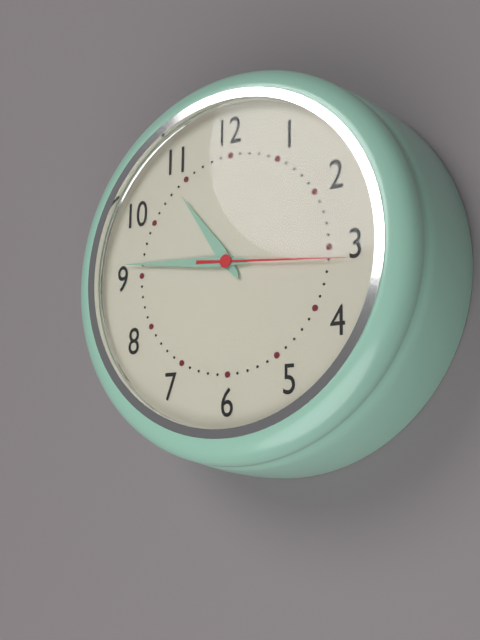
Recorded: h=10 m=46 s=16
